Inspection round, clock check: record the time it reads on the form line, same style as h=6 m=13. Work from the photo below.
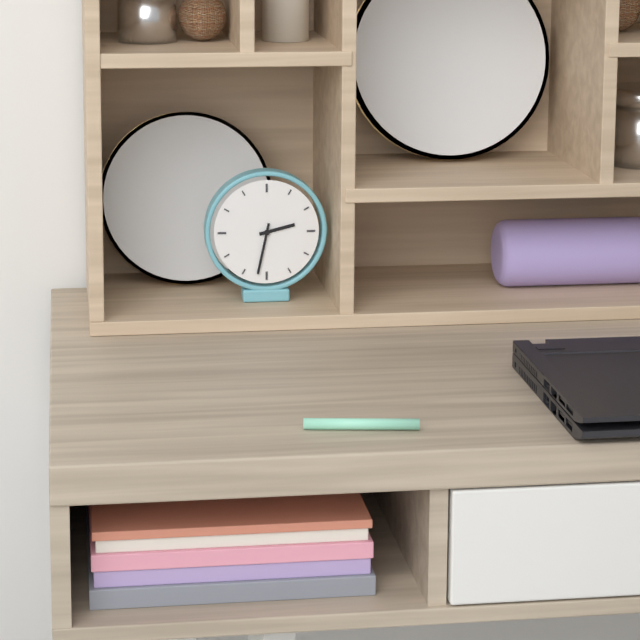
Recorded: h=2 m=32
